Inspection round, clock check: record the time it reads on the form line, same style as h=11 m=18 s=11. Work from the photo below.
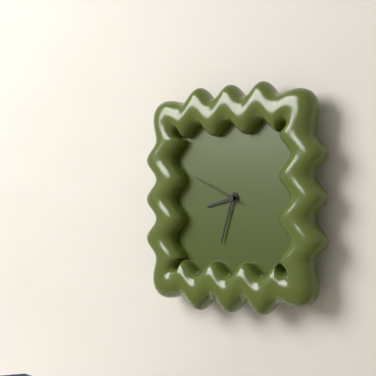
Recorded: h=8 m=33 s=49
